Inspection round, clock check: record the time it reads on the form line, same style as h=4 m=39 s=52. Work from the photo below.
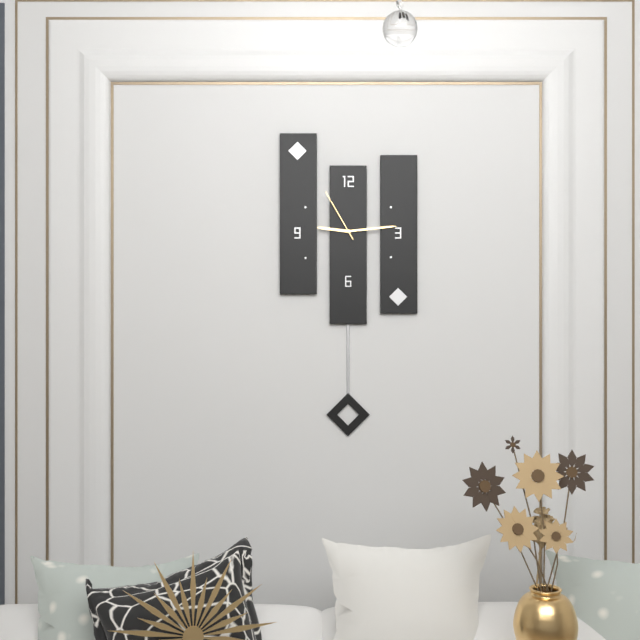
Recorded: h=9 m=14 s=55
